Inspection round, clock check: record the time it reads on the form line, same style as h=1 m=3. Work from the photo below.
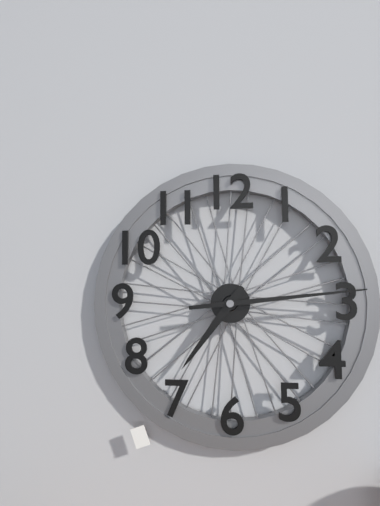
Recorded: h=7 m=14
